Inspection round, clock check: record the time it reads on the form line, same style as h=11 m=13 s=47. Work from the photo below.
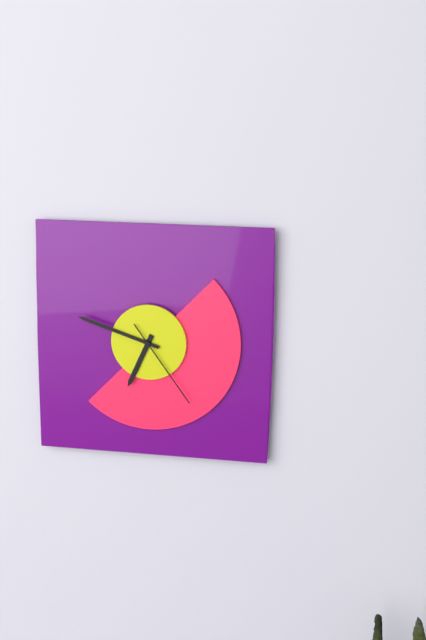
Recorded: h=6 m=48 s=24
